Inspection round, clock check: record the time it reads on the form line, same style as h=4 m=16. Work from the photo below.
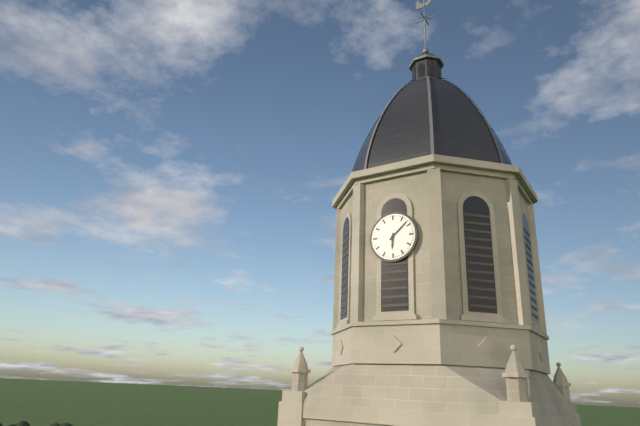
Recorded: h=6 m=8
